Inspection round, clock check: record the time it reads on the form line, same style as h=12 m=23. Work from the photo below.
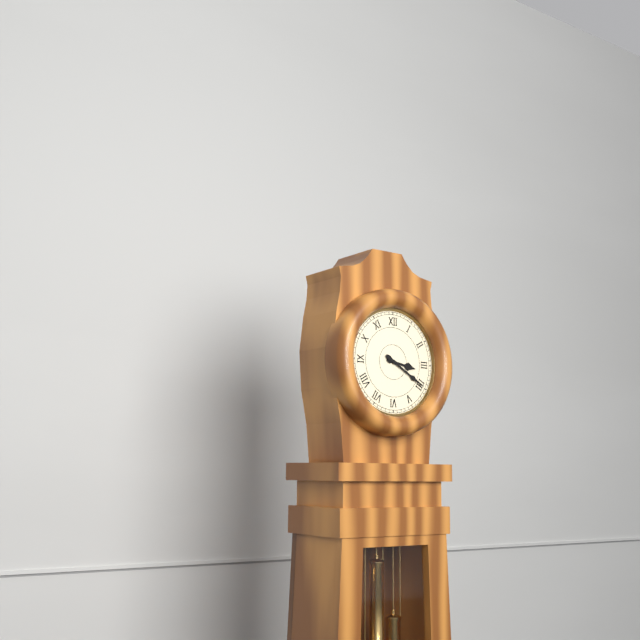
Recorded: h=3 m=20
